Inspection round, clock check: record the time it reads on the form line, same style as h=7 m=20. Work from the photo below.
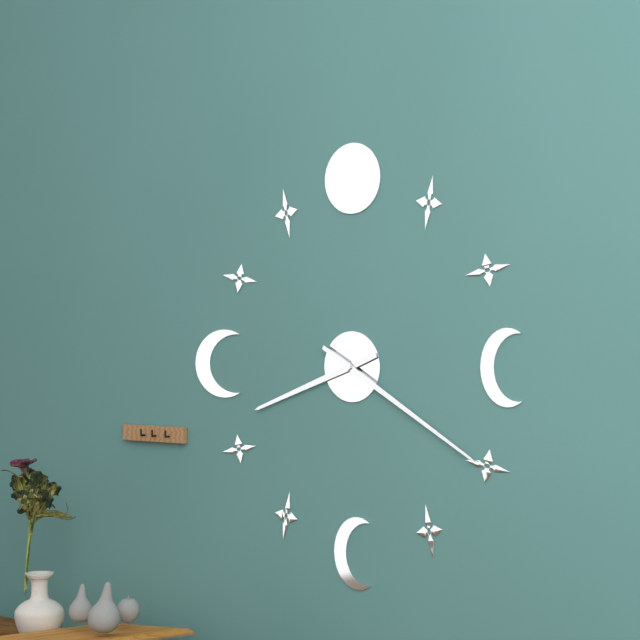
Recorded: h=8 m=20
